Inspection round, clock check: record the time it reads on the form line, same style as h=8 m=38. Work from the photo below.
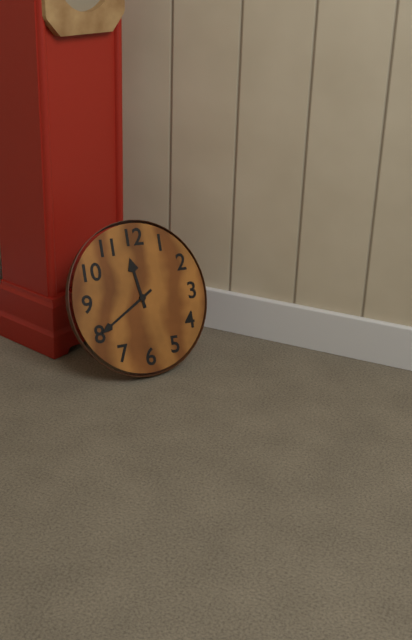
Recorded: h=11 m=40
